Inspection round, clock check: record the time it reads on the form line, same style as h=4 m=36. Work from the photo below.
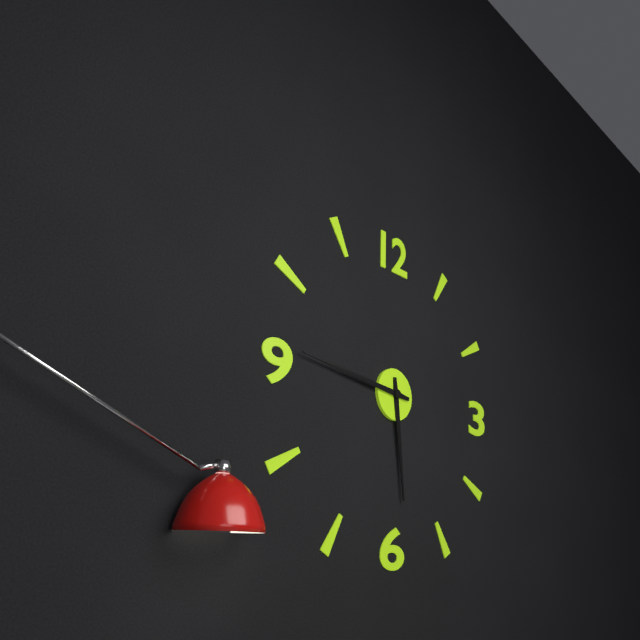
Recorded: h=5 m=46
